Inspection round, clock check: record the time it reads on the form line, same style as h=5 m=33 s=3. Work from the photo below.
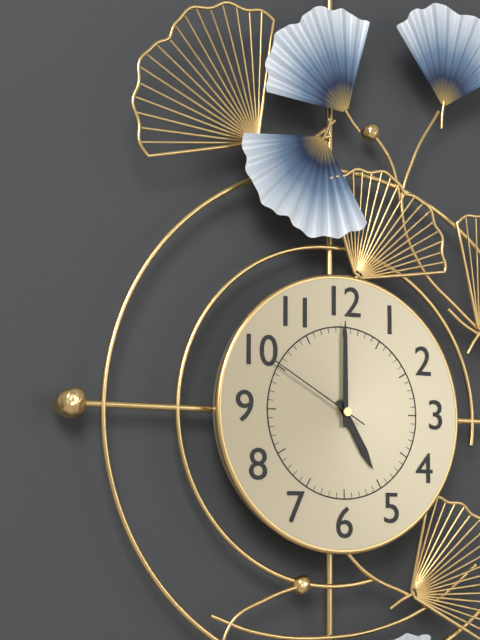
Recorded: h=5 m=0 s=50
